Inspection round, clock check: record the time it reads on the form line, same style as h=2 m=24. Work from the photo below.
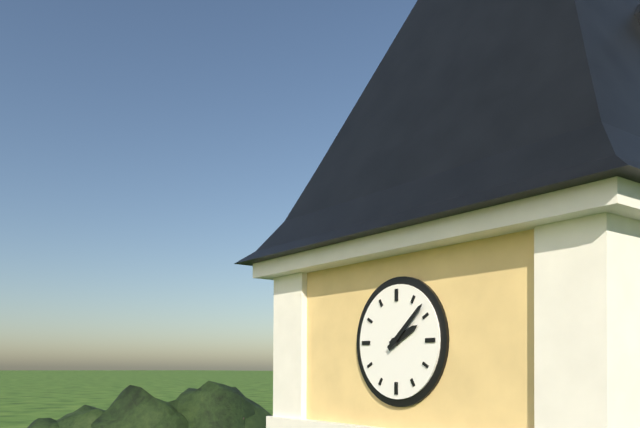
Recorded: h=2 m=8
